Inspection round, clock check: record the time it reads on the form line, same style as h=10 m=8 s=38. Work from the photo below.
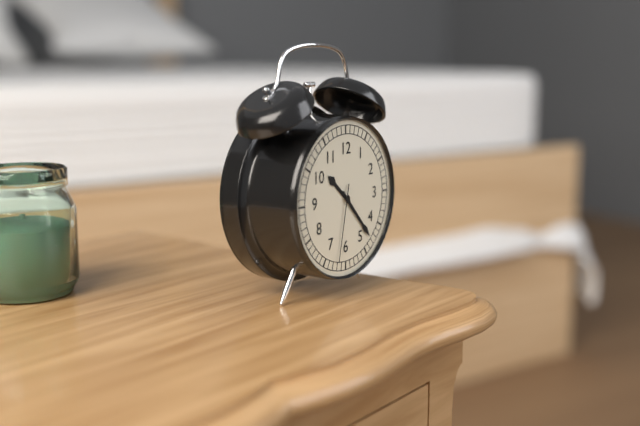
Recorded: h=10 m=23 s=32
